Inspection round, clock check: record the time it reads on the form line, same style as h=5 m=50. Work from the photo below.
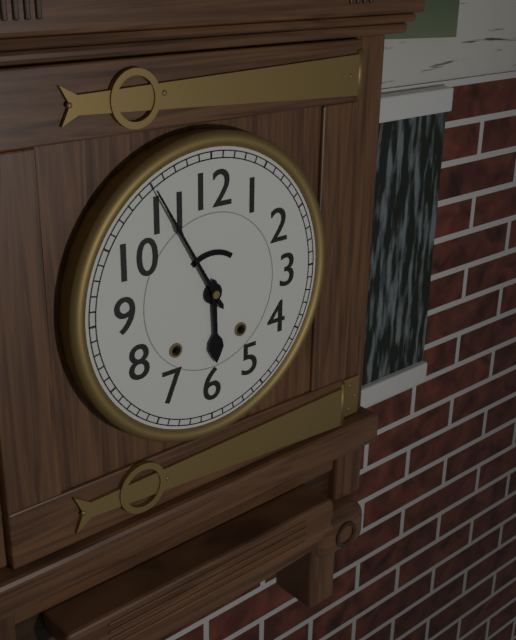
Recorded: h=5 m=55
